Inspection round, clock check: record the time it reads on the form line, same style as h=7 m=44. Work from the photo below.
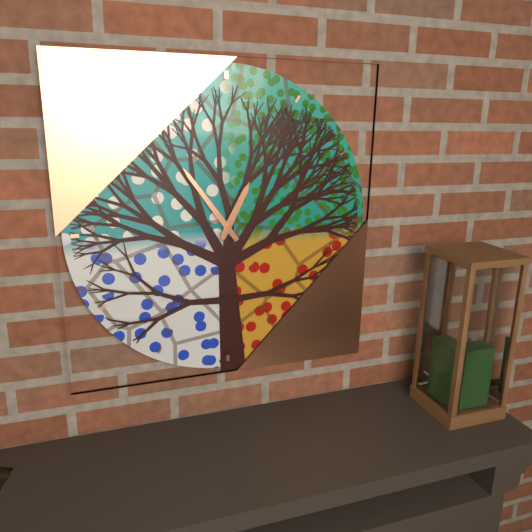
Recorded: h=12 m=54
